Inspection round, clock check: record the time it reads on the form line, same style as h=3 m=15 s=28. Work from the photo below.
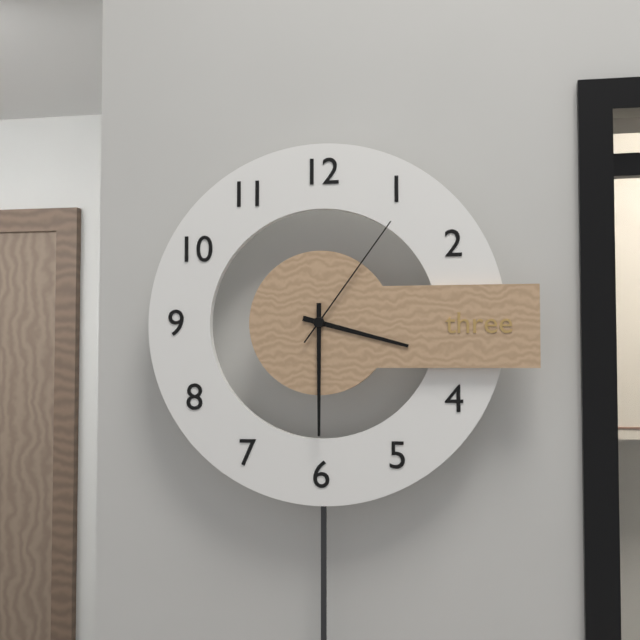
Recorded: h=3 m=30 s=6
